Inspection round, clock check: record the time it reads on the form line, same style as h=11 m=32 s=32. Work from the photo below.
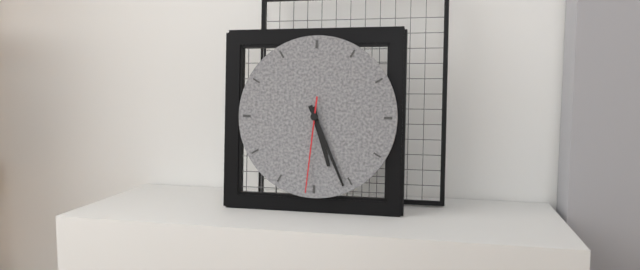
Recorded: h=5 m=26 s=31
